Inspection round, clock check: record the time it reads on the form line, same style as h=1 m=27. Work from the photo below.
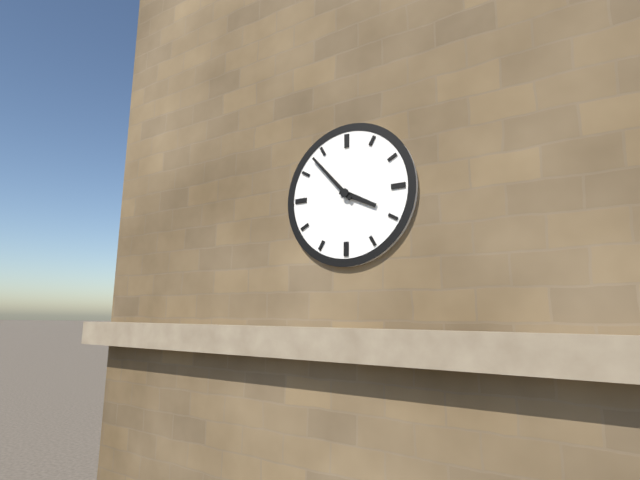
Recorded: h=3 m=53
